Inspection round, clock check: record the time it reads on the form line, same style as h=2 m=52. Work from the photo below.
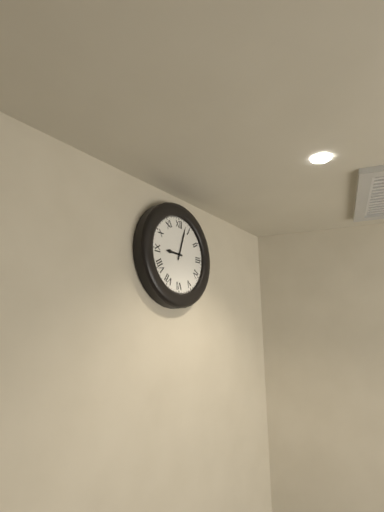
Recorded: h=9 m=3
